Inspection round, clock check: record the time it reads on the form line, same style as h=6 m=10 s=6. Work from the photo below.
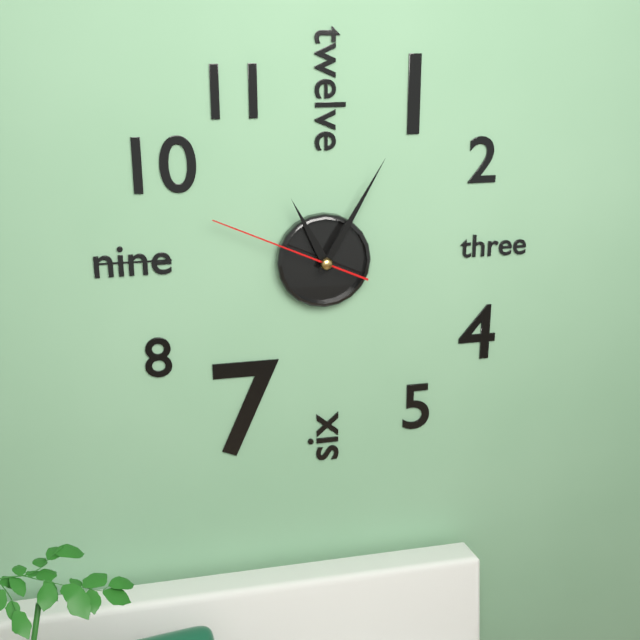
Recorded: h=11 m=5 s=49
